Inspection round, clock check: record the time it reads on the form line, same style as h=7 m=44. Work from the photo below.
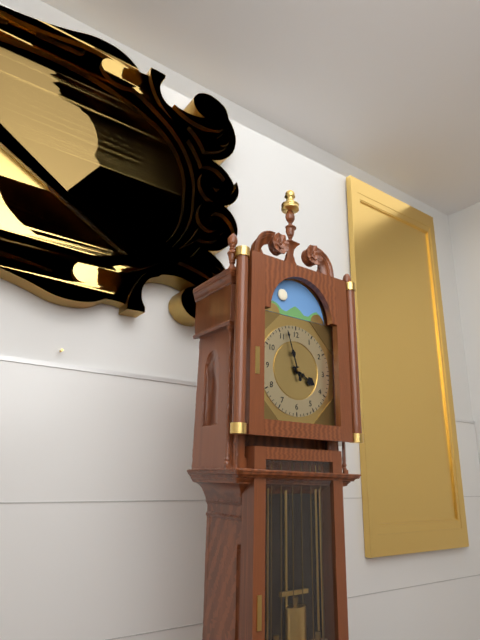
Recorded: h=3 m=57
